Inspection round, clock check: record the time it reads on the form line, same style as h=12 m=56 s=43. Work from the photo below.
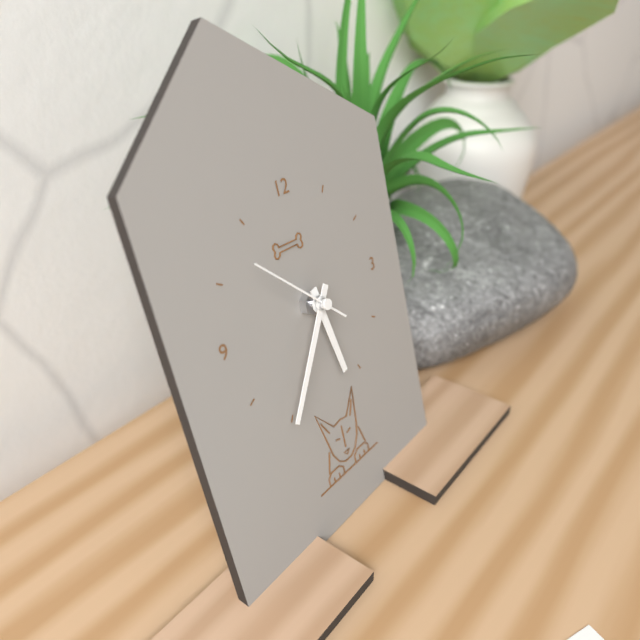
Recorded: h=5 m=36 s=52
